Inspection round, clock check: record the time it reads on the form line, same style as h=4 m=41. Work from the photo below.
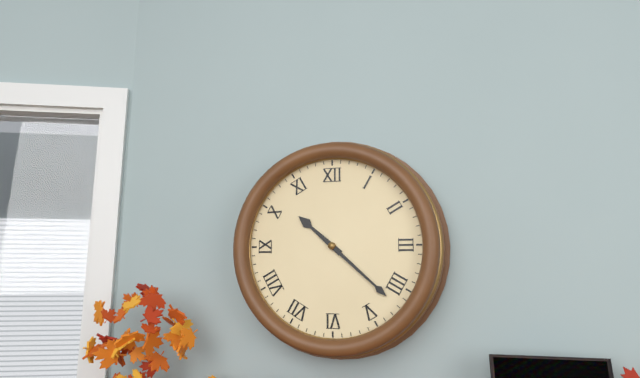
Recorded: h=10 m=22
